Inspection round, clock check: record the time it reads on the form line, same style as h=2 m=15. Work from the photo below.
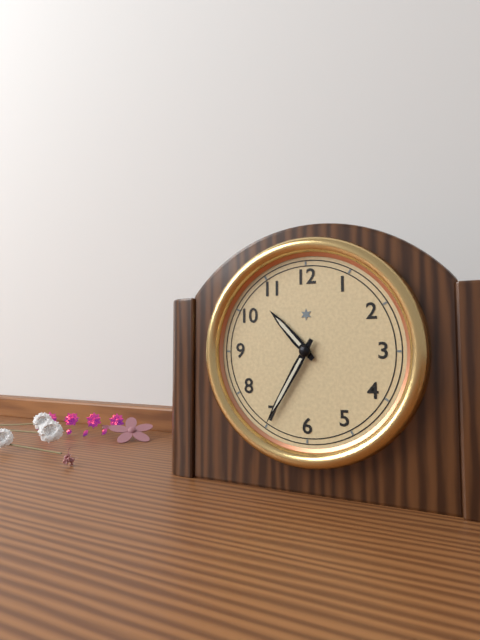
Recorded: h=10 m=35
